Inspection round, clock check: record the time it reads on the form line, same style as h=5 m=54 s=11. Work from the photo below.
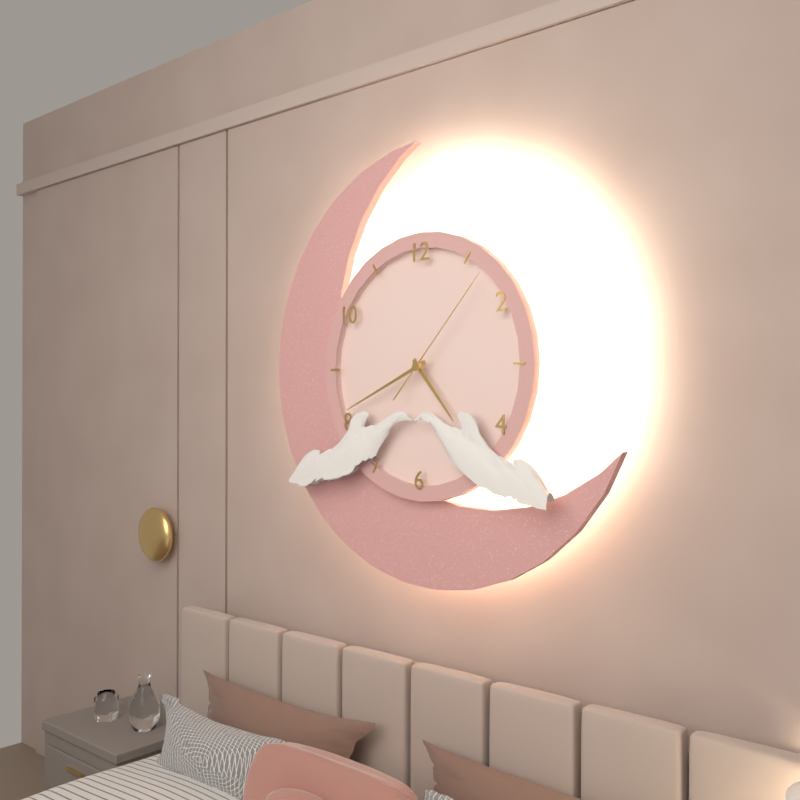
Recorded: h=4 m=41 s=7
